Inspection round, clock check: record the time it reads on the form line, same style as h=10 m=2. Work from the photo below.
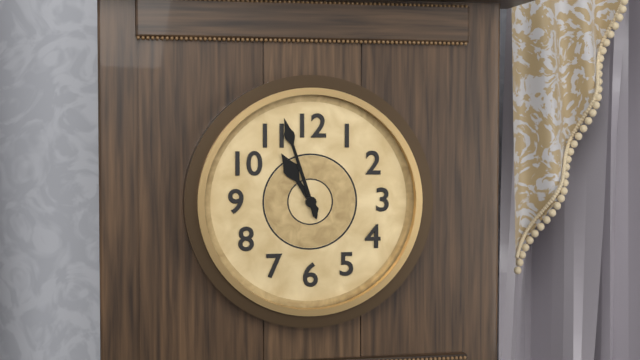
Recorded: h=10 m=57
